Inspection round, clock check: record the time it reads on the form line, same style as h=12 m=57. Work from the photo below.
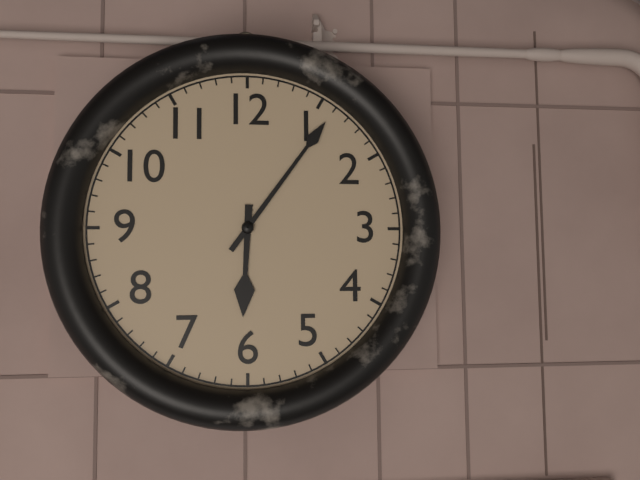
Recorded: h=6 m=6
